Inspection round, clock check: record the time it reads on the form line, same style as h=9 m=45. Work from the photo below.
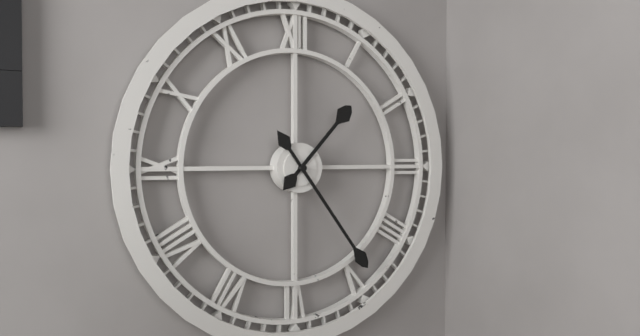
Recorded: h=1 m=24
